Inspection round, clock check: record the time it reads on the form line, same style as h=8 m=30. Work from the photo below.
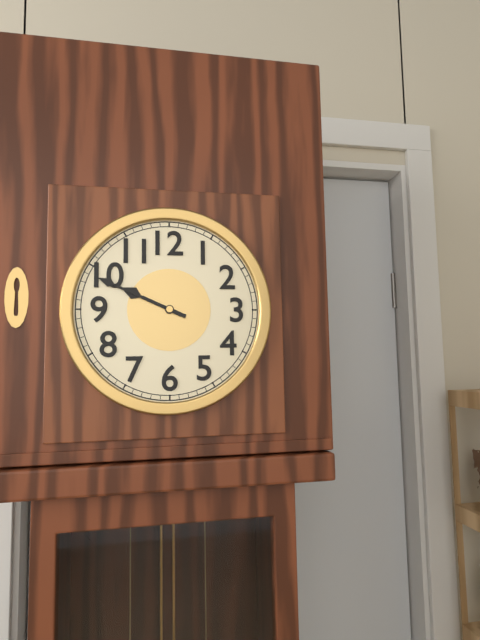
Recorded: h=9 m=49
